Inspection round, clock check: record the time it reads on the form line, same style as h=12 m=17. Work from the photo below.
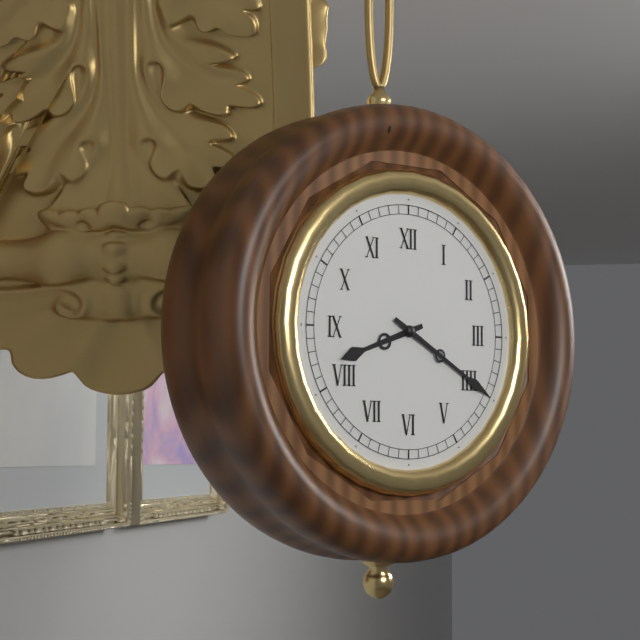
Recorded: h=8 m=20
